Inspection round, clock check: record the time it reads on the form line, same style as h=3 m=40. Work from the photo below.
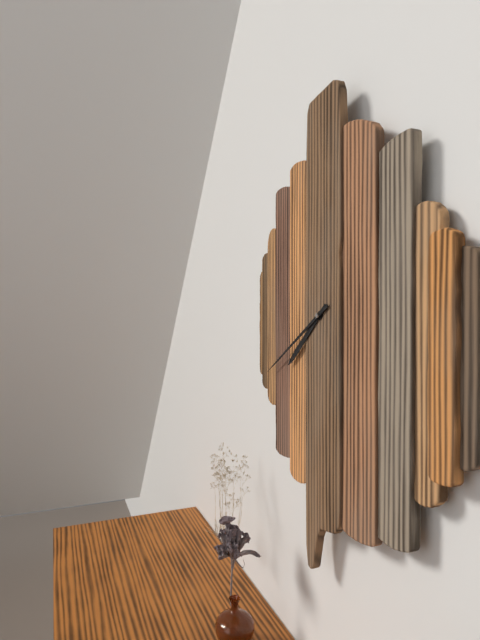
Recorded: h=7 m=40
